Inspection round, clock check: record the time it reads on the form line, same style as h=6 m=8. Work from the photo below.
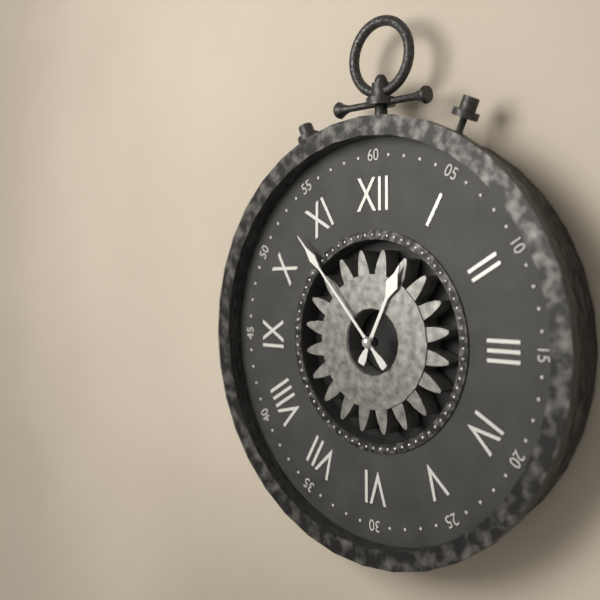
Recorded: h=12 m=53
